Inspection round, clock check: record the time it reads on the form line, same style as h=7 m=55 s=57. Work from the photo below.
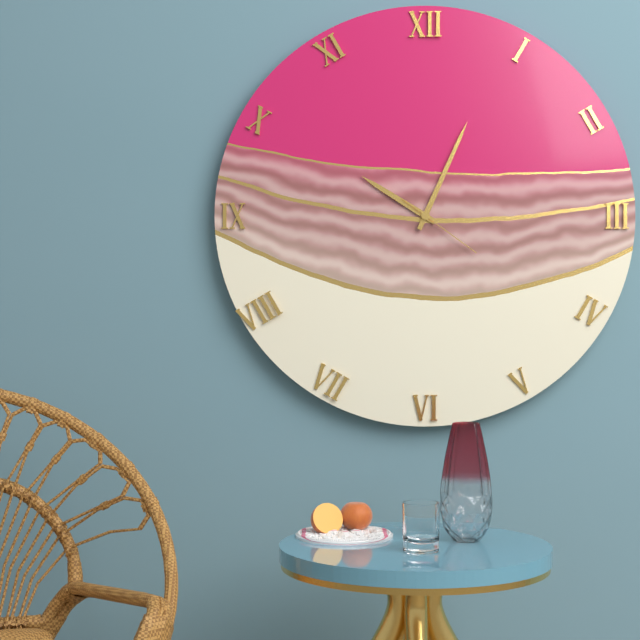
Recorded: h=10 m=4 s=21
